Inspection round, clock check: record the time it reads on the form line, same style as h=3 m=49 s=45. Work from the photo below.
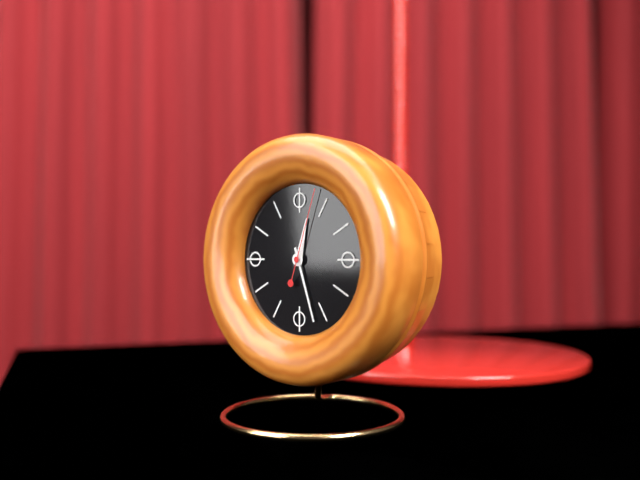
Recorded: h=12 m=27 s=3
